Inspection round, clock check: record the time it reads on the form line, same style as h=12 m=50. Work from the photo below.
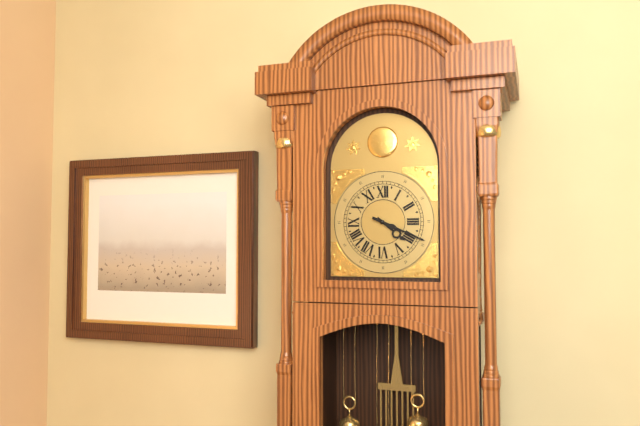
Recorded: h=4 m=19
